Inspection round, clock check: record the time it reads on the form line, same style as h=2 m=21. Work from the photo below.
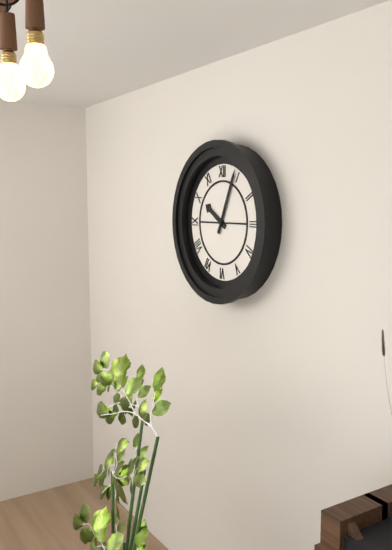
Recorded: h=10 m=4
